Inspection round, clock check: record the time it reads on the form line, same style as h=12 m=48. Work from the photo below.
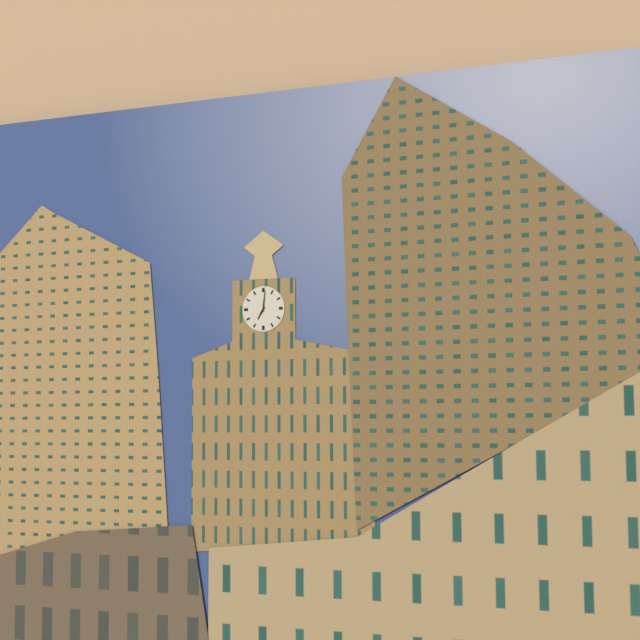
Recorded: h=7 m=1
